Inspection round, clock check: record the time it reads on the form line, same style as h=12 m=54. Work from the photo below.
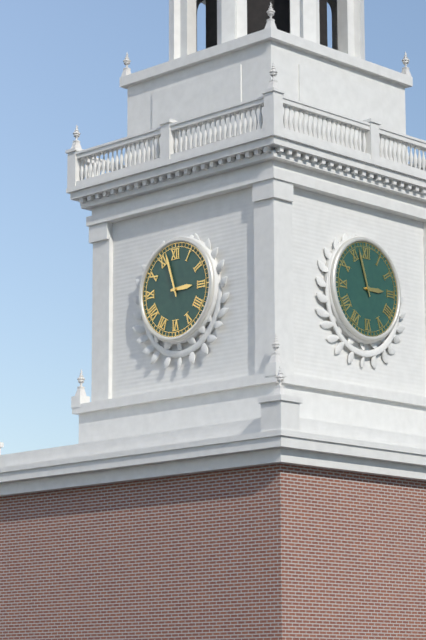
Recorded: h=2 m=57
